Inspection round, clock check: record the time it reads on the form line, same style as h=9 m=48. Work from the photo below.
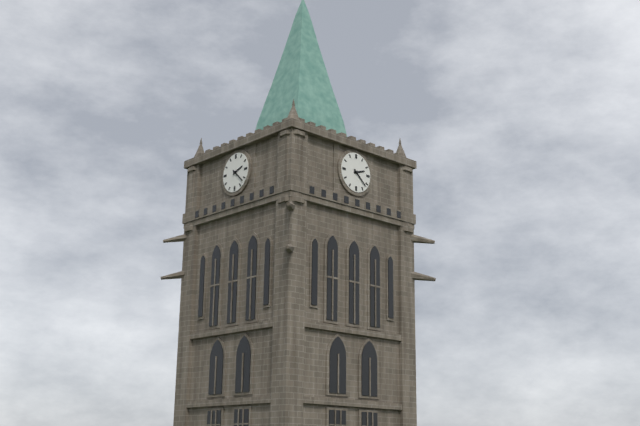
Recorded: h=2 m=22
